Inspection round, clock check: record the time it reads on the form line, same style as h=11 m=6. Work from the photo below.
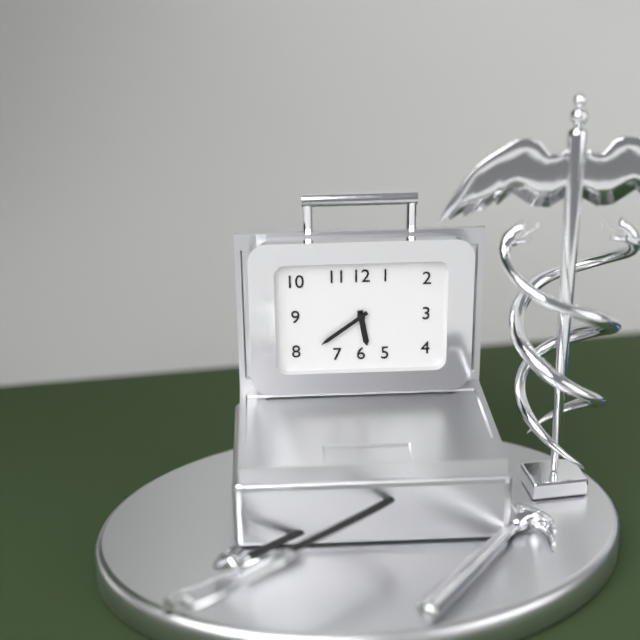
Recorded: h=5 m=39
